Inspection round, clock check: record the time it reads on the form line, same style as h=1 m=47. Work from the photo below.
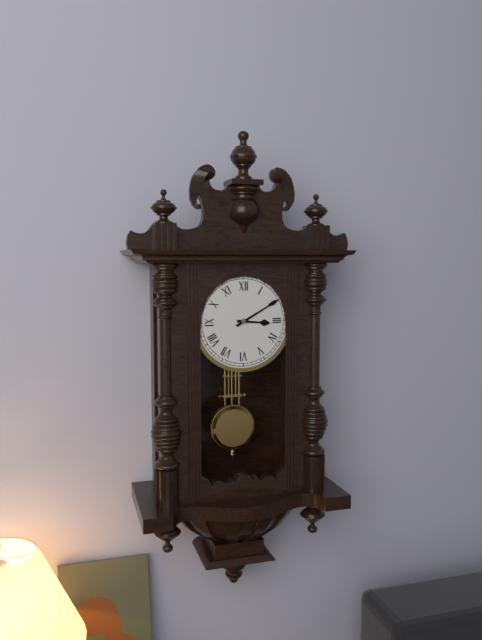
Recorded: h=3 m=10
